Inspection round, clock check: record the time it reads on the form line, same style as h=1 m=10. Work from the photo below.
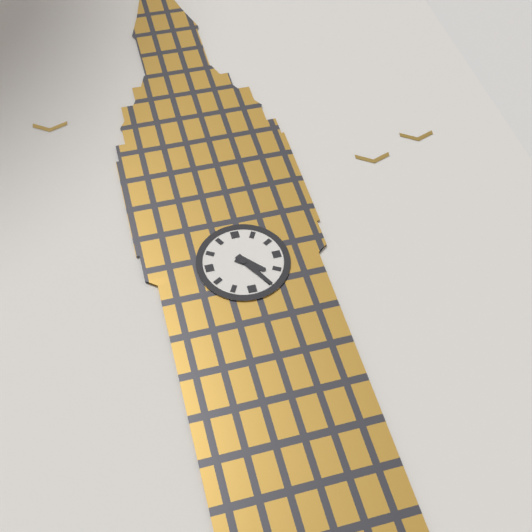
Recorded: h=4 m=25
